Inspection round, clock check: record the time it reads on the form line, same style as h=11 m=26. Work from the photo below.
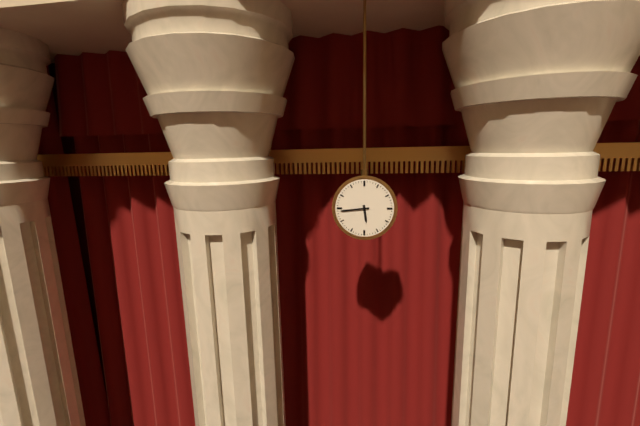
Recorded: h=5 m=44
